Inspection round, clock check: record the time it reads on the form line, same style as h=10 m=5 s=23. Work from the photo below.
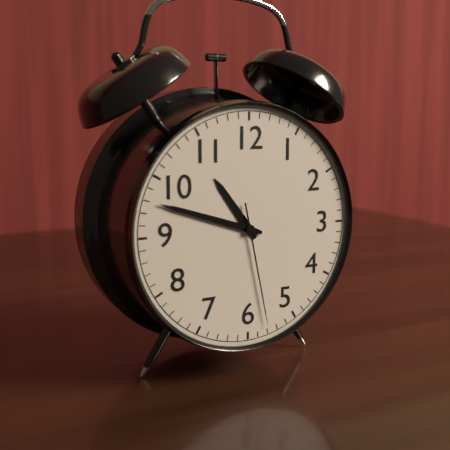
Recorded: h=10 m=48 s=28
